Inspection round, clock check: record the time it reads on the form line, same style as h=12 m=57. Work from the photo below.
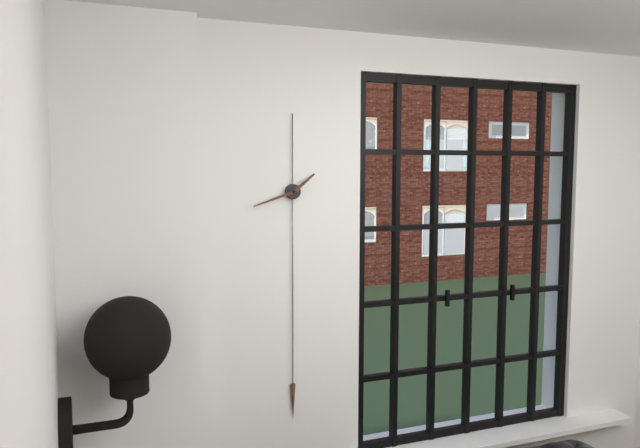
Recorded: h=1 m=42
